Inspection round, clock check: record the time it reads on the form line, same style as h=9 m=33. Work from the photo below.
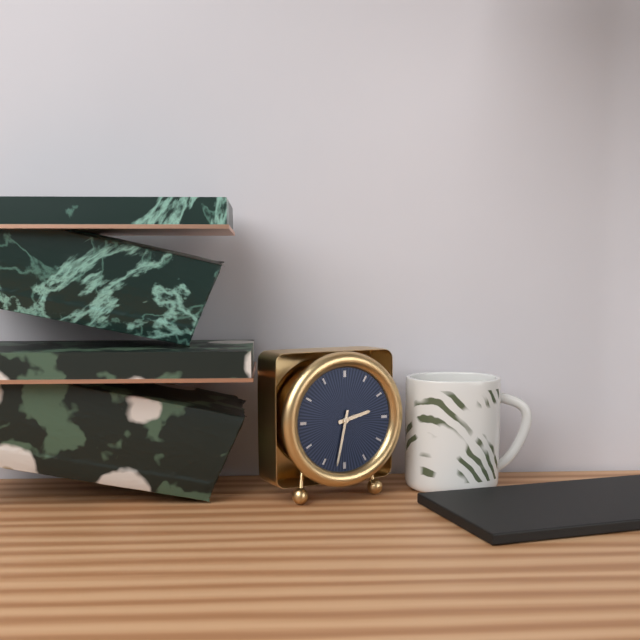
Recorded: h=2 m=32
